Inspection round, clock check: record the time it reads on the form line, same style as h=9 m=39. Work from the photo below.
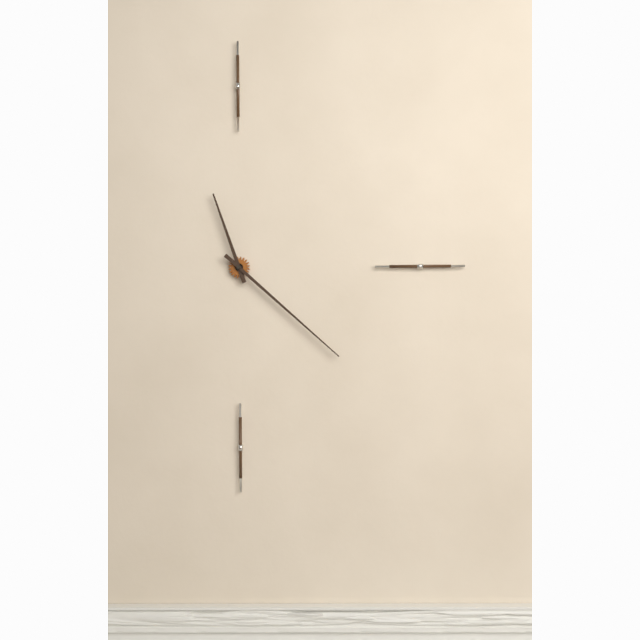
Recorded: h=11 m=22
